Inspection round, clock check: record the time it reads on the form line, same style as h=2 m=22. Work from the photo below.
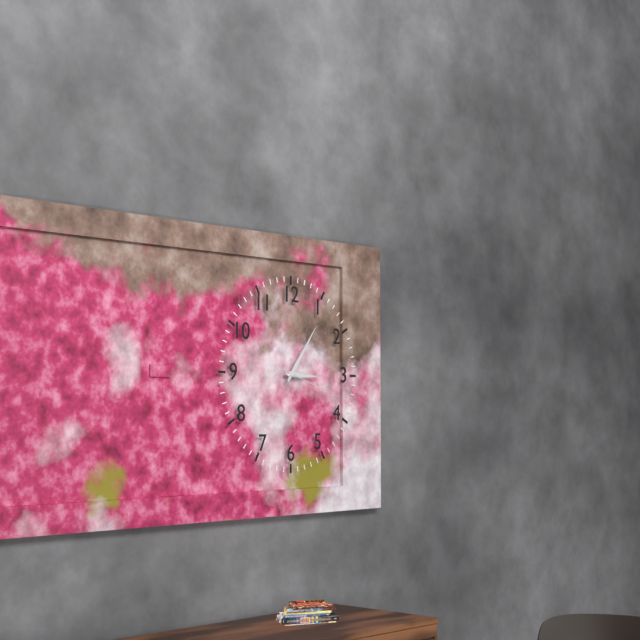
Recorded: h=3 m=6
